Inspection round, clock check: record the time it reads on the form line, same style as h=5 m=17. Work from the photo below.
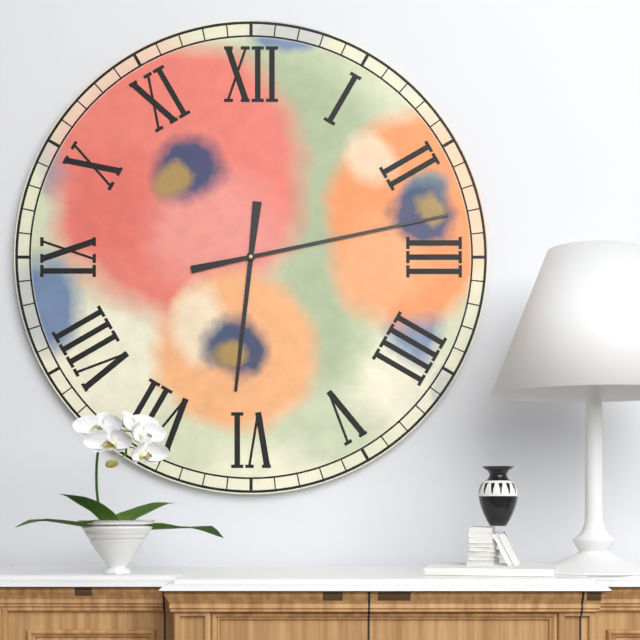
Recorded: h=6 m=13
